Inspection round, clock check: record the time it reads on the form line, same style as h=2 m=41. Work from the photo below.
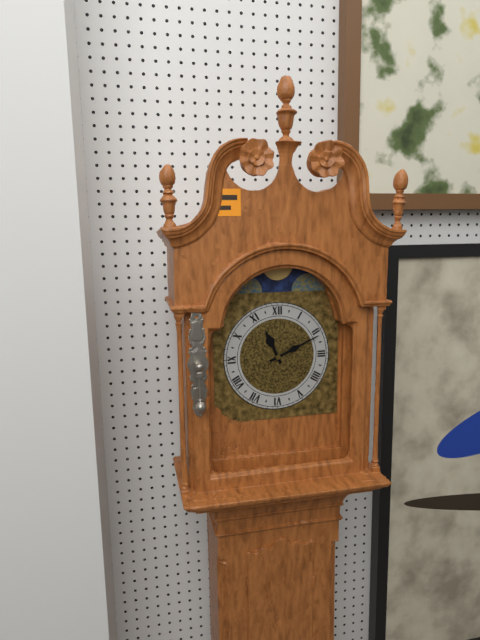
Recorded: h=11 m=11
